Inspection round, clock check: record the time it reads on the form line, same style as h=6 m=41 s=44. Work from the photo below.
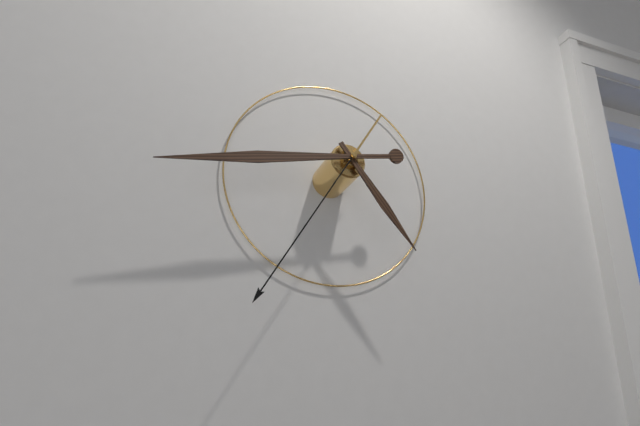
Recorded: h=4 m=43 s=35
